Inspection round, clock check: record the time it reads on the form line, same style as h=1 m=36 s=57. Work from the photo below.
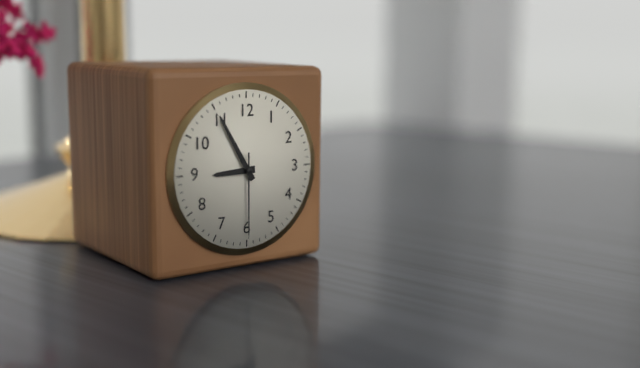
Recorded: h=8 m=55 s=30
